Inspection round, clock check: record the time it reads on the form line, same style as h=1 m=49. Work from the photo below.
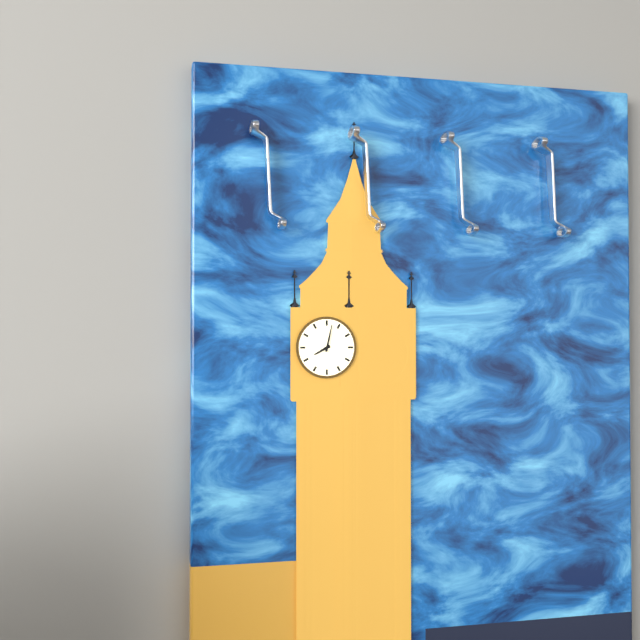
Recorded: h=8 m=2
